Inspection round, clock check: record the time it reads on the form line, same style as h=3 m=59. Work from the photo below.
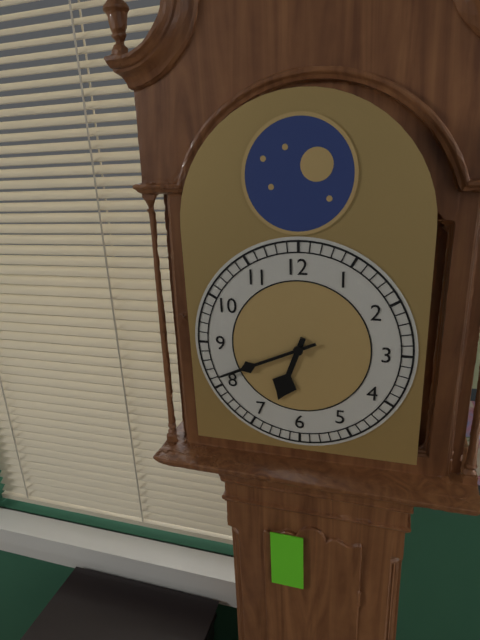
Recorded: h=6 m=41
